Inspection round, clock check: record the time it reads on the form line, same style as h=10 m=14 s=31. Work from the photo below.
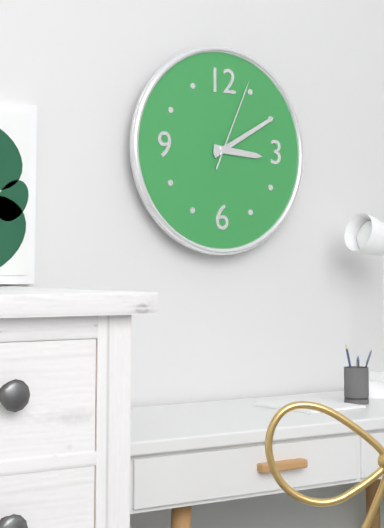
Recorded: h=3 m=10 s=4
